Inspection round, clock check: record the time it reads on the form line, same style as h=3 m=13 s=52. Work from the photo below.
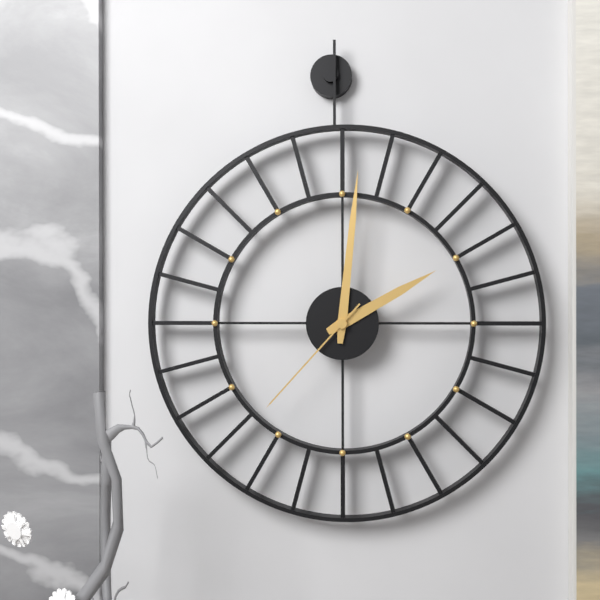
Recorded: h=2 m=1 s=37
